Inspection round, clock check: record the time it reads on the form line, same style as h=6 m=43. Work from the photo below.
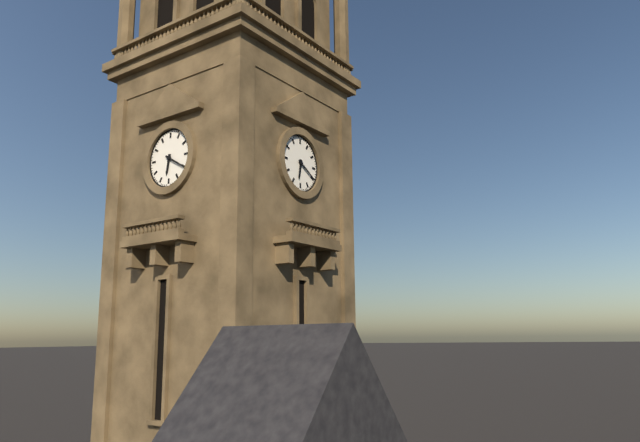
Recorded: h=6 m=20
